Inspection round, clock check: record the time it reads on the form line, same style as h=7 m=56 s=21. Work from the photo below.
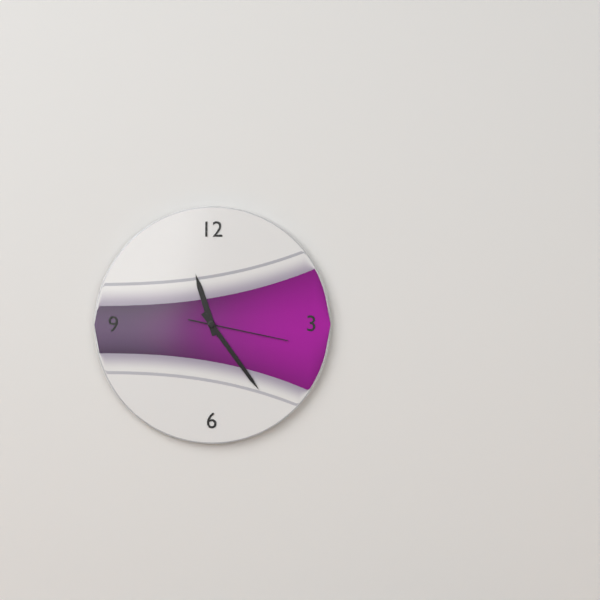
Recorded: h=11 m=24 s=17
